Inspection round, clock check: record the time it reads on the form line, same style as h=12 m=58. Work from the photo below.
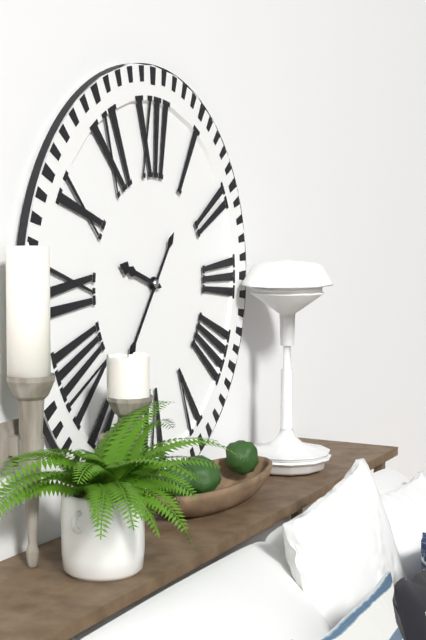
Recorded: h=9 m=36
